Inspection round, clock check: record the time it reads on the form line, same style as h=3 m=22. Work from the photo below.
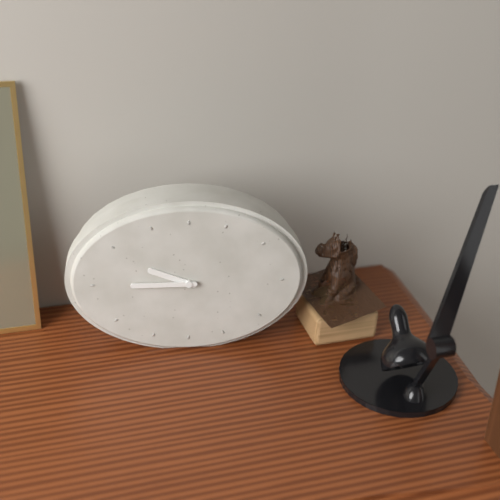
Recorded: h=9 m=45
